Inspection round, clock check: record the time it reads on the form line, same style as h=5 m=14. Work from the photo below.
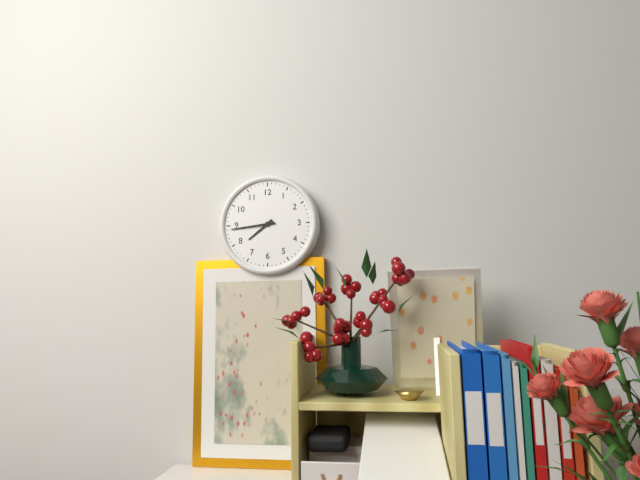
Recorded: h=7 m=44
